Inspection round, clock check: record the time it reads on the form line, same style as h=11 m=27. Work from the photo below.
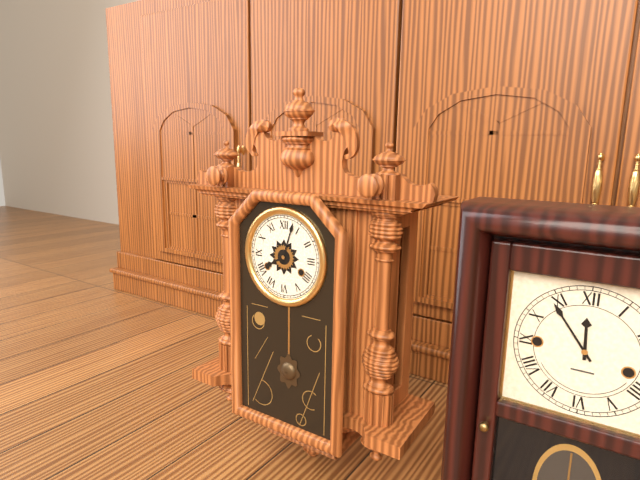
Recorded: h=8 m=3
